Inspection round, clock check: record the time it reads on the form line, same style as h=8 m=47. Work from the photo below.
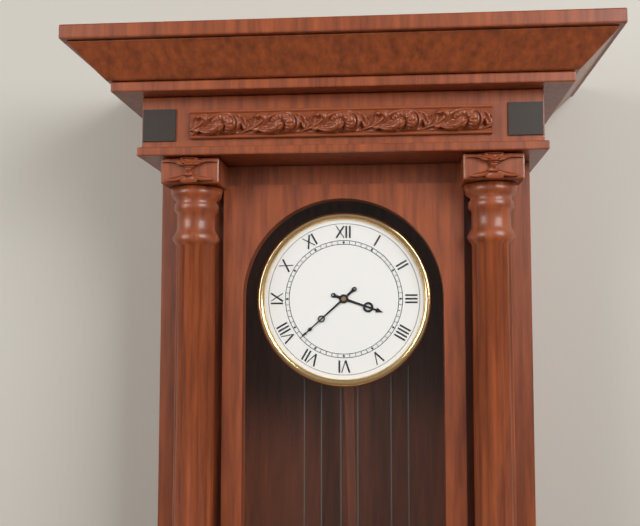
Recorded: h=3 m=38
